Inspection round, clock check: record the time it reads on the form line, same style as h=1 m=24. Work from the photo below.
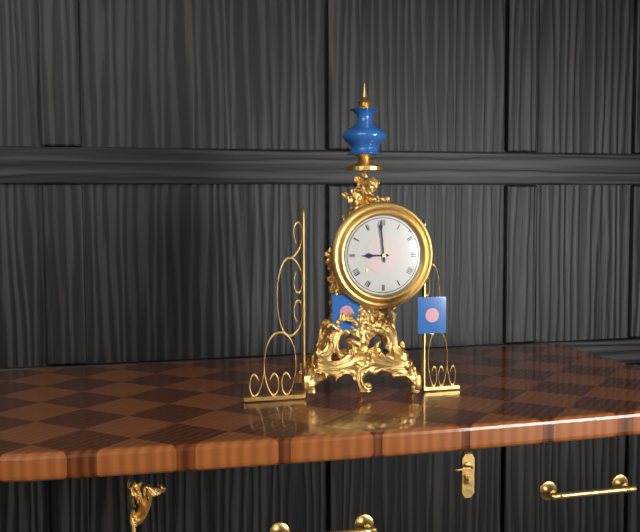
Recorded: h=8 m=59
